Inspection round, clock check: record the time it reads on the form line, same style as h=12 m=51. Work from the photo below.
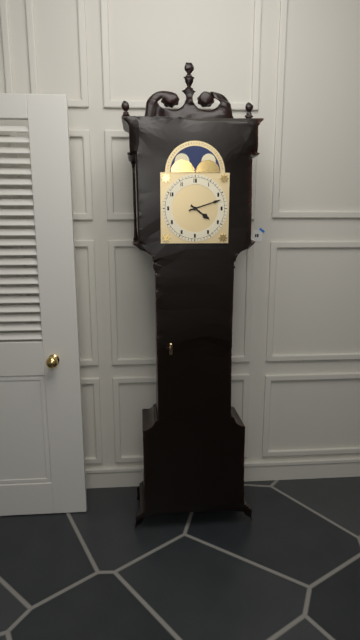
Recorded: h=4 m=12
